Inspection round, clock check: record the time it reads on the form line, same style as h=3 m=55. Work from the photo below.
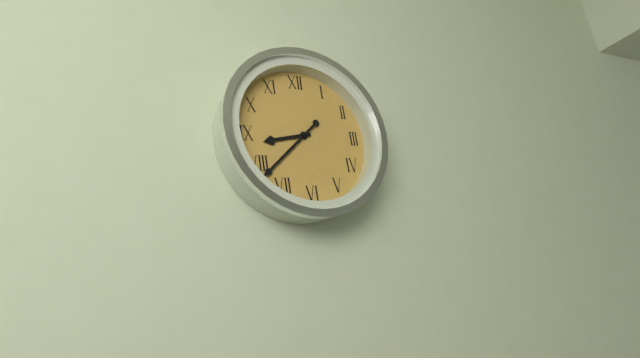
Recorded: h=8 m=38
